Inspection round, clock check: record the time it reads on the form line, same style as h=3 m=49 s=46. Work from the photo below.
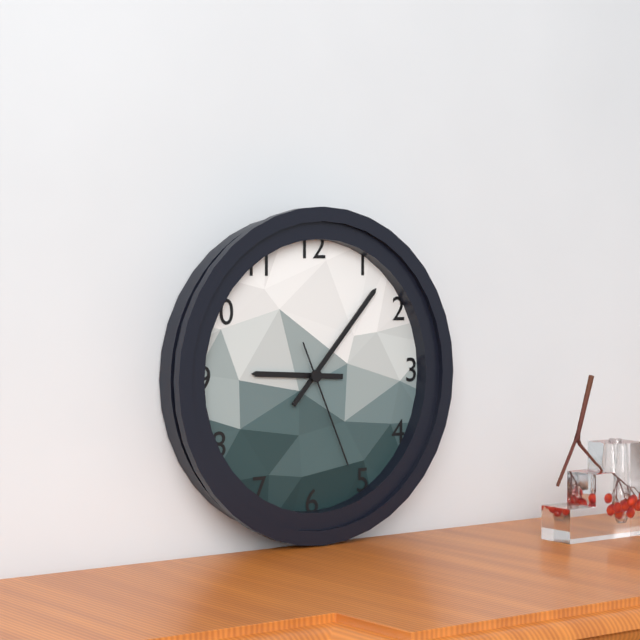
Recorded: h=9 m=7 s=26
